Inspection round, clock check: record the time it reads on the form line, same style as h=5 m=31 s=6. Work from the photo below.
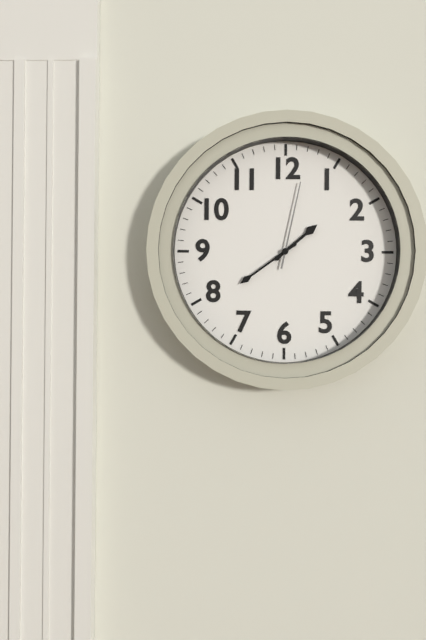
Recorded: h=1 m=39 s=2
